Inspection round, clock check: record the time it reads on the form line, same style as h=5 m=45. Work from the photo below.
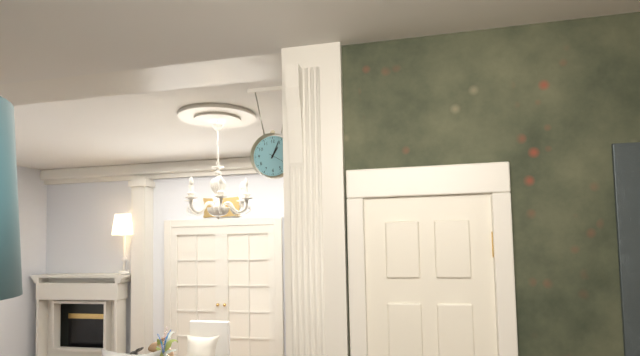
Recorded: h=1 m=4
